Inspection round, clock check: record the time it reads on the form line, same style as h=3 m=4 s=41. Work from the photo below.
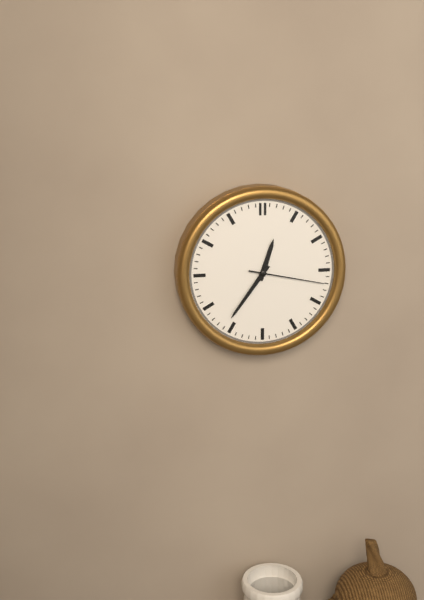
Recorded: h=12 m=36 s=17
